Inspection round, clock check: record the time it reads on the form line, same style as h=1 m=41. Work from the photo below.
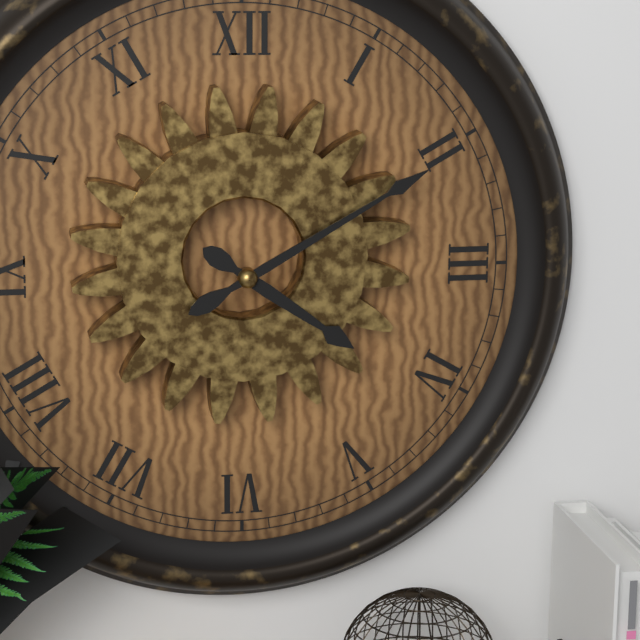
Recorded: h=4 m=10
